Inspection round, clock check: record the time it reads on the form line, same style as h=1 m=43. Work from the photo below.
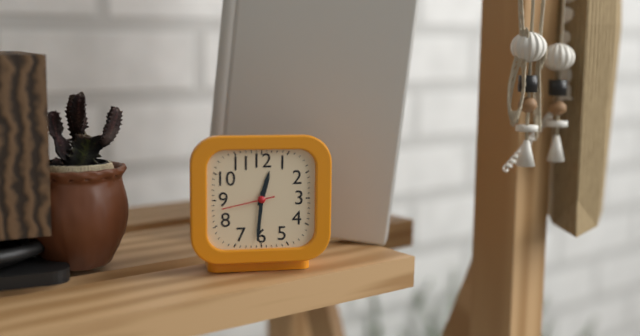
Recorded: h=12 m=31
